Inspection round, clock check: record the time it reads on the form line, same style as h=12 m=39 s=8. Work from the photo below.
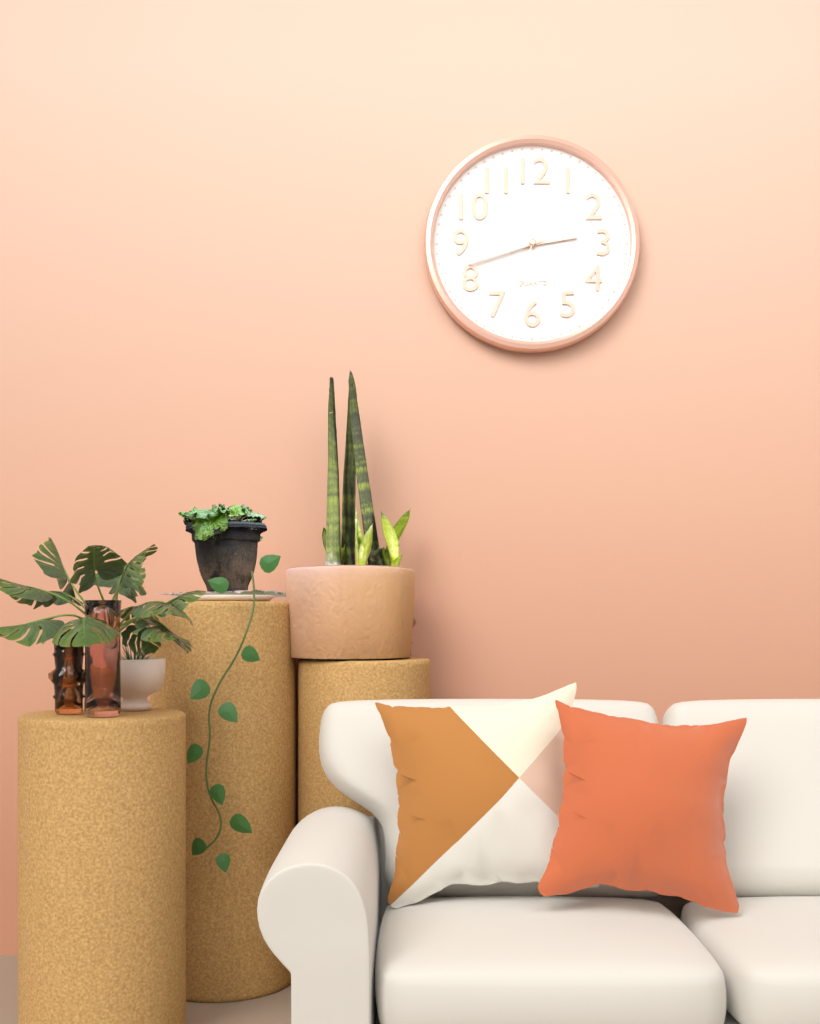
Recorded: h=2 m=42 s=33
